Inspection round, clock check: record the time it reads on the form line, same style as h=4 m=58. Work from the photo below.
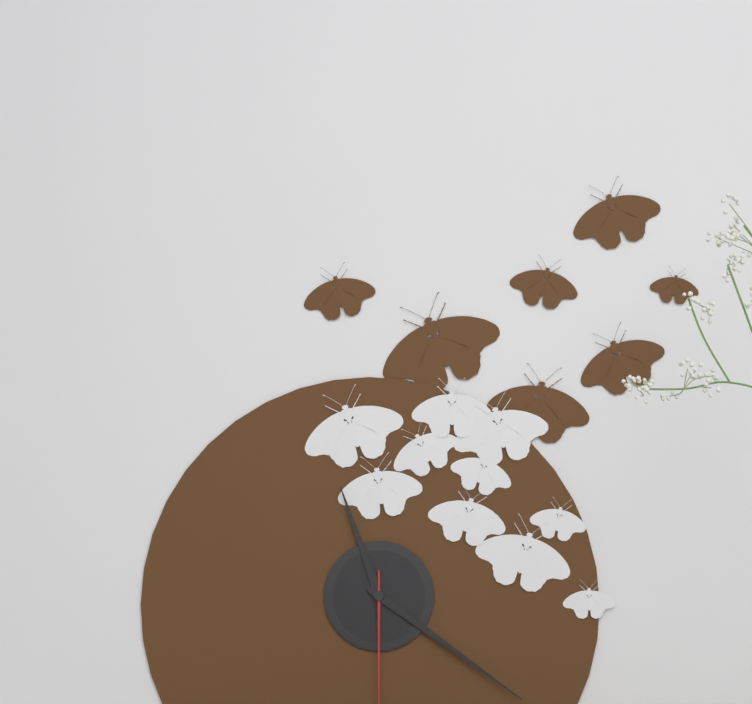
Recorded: h=11 m=21
